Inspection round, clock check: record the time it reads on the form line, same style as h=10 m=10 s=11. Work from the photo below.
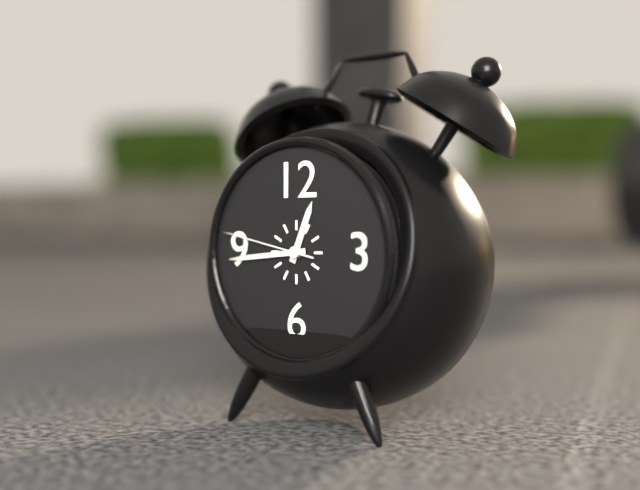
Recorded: h=12 m=44 s=47
